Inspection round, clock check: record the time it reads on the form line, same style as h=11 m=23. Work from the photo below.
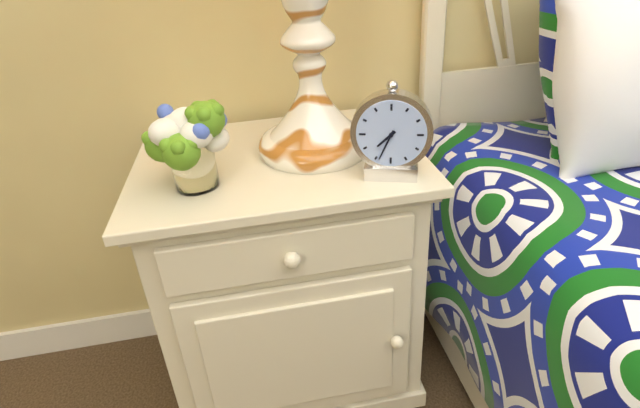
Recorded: h=7 m=34
